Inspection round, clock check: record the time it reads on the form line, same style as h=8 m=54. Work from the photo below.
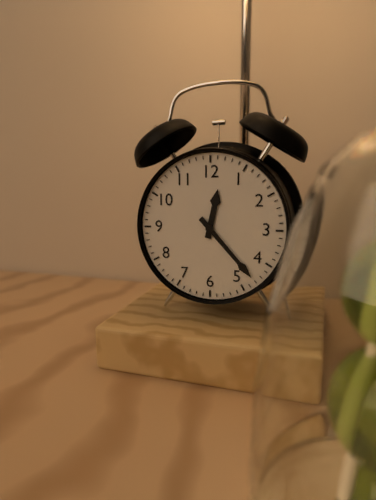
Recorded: h=12 m=23
